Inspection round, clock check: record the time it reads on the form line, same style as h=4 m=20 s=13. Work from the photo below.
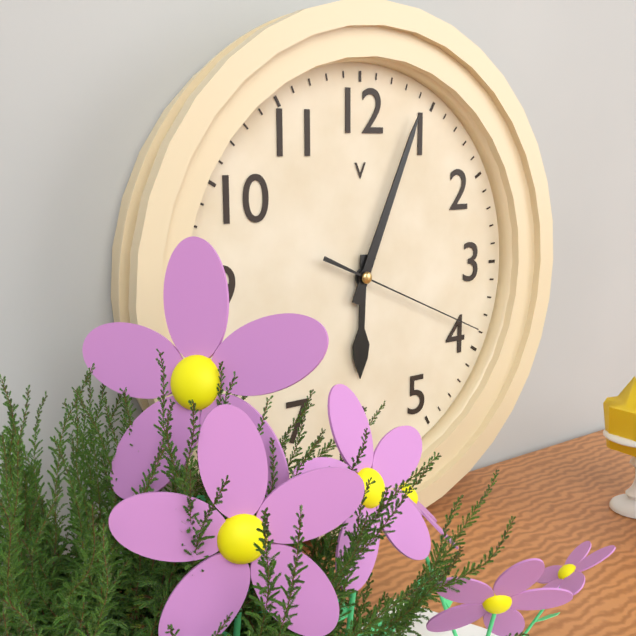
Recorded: h=6 m=4 s=19
